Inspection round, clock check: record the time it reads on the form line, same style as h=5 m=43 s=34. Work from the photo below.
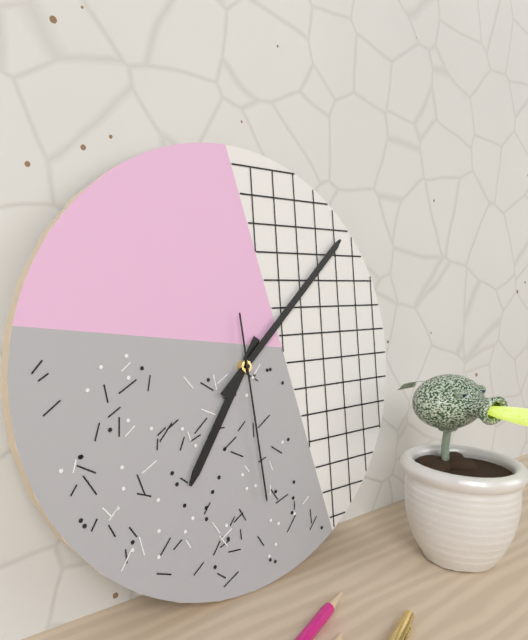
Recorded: h=7 m=8 s=29
